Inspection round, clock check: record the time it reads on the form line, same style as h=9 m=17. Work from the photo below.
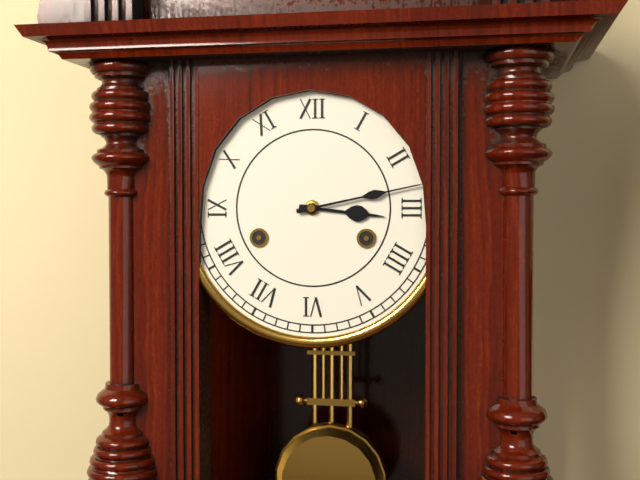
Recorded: h=3 m=13
